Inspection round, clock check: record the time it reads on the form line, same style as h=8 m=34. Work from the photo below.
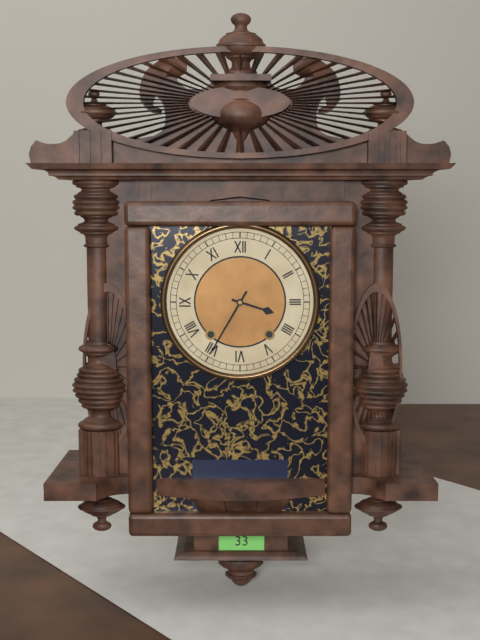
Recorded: h=3 m=35
